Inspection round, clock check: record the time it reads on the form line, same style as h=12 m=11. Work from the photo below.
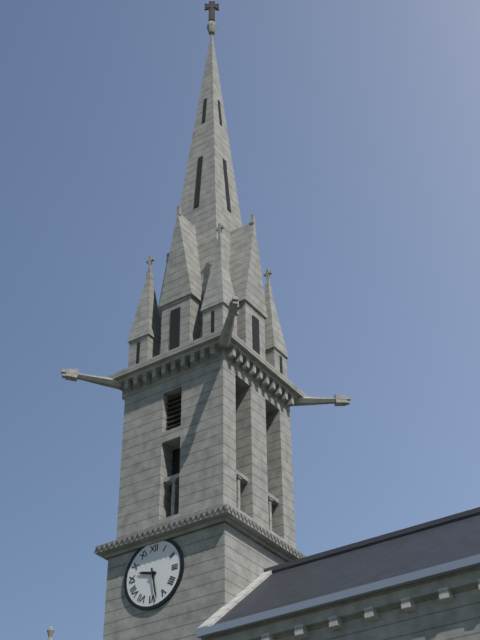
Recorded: h=9 m=28
